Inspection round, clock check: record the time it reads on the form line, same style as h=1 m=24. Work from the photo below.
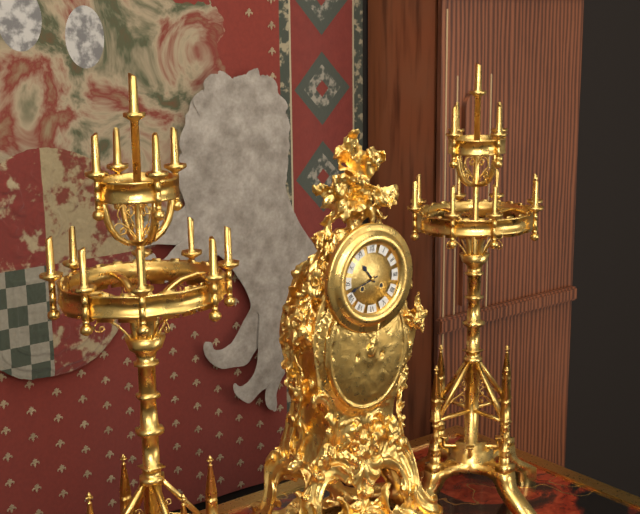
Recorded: h=10 m=42
